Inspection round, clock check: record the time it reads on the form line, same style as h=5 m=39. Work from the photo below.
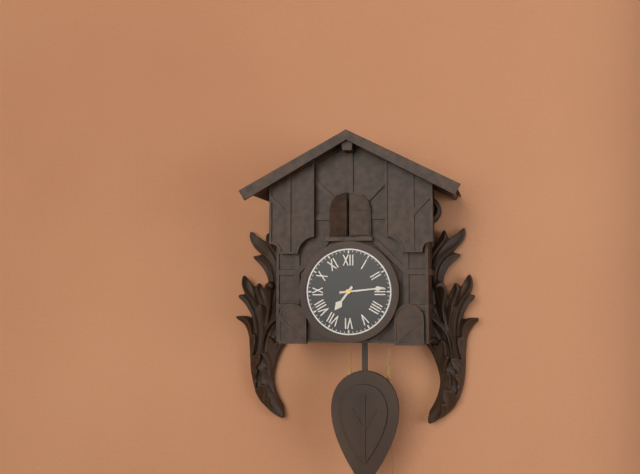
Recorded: h=7 m=14
